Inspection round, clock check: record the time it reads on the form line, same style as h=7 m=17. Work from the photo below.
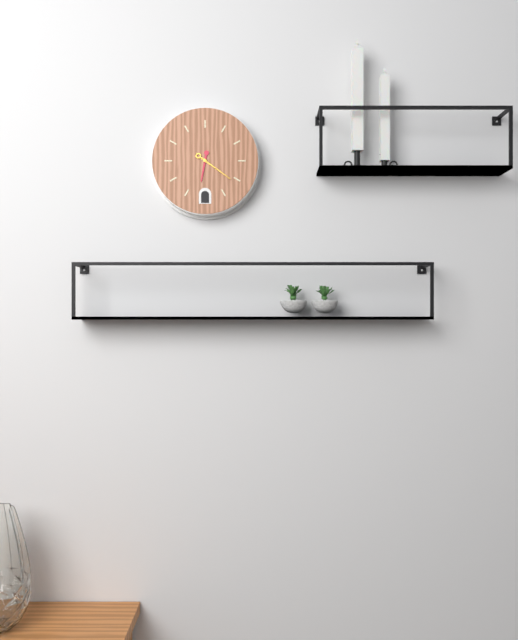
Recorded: h=6 m=21
